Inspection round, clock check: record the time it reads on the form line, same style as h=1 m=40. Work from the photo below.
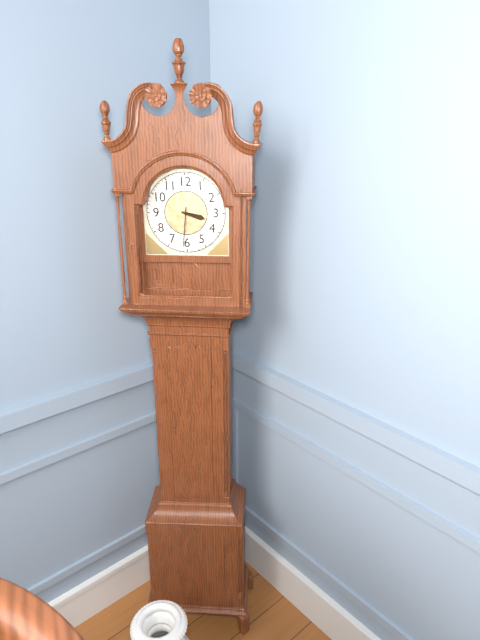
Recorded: h=3 m=31
